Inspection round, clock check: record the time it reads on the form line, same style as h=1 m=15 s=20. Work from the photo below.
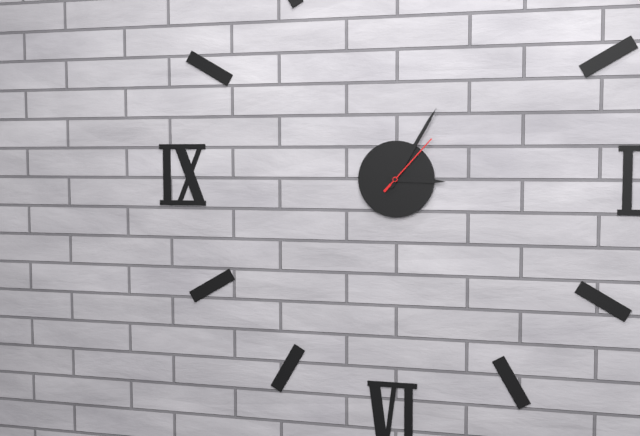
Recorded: h=3 m=5 s=7
